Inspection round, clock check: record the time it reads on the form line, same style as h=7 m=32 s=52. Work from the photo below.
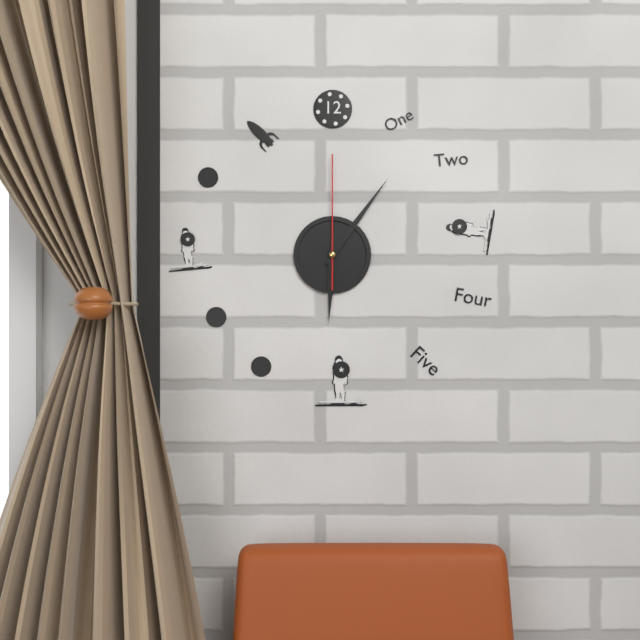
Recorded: h=6 m=6 s=0
